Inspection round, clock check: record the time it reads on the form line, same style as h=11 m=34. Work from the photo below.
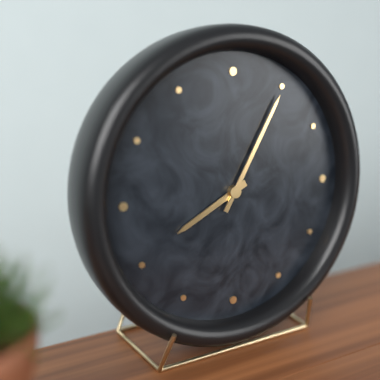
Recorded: h=8 m=5
